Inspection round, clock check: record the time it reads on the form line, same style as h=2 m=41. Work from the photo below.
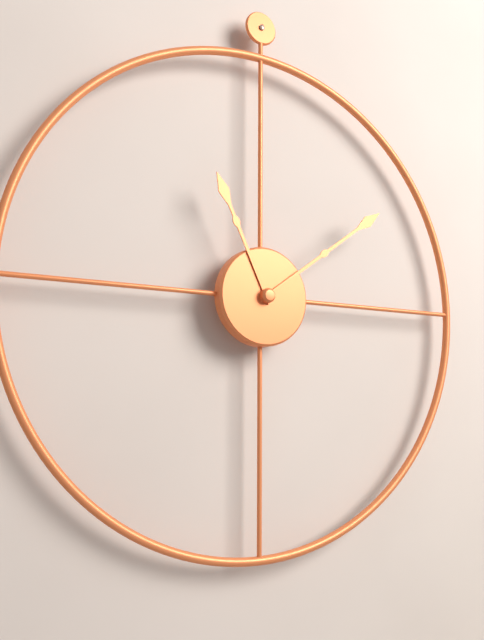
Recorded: h=11 m=9
